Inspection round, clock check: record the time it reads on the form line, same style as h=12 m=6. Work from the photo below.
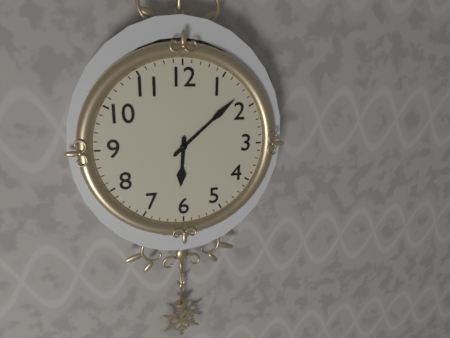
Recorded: h=6 m=8
